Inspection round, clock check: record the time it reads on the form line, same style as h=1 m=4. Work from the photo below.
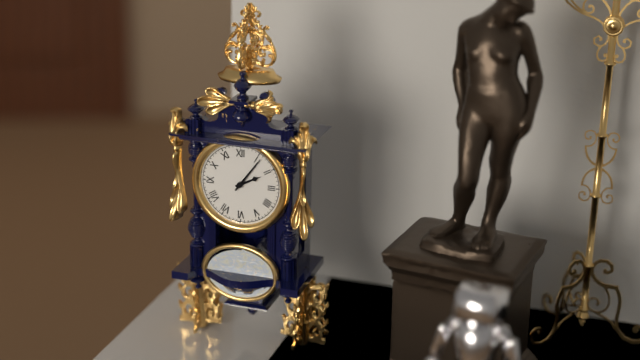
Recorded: h=2 m=6
